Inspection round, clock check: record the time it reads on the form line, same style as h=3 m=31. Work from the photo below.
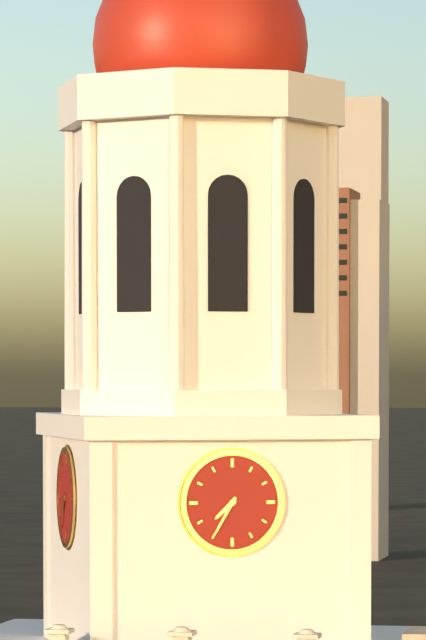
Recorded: h=7 m=35
